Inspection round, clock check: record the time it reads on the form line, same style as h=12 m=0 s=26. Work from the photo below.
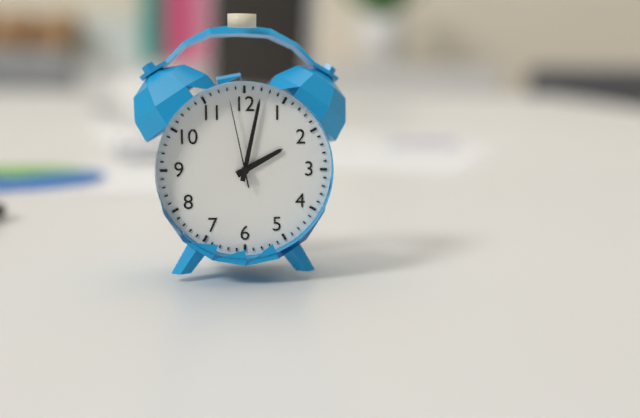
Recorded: h=2 m=2 s=58
